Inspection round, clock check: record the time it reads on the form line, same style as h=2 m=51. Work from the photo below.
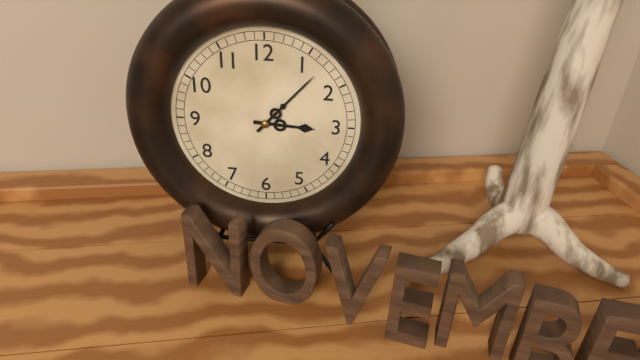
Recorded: h=3 m=7
